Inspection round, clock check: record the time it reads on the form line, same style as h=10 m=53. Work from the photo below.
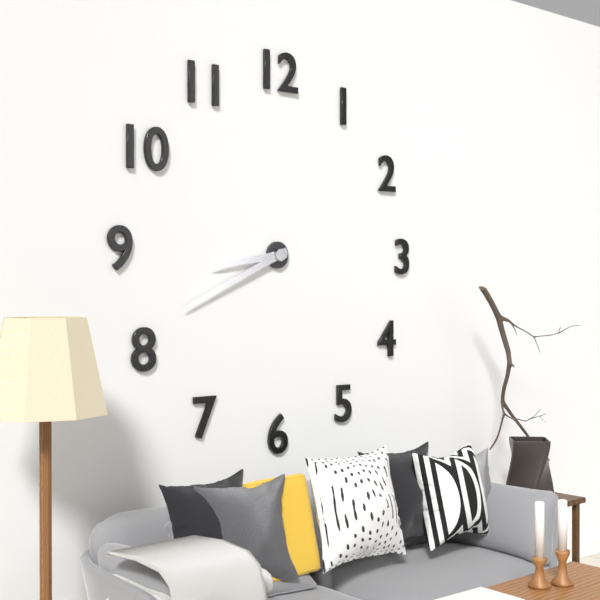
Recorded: h=8 m=41
